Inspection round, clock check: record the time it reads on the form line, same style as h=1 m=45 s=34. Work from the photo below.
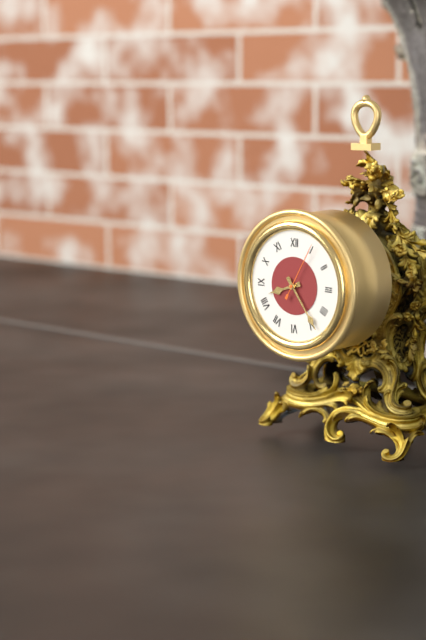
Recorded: h=8 m=24 s=5
